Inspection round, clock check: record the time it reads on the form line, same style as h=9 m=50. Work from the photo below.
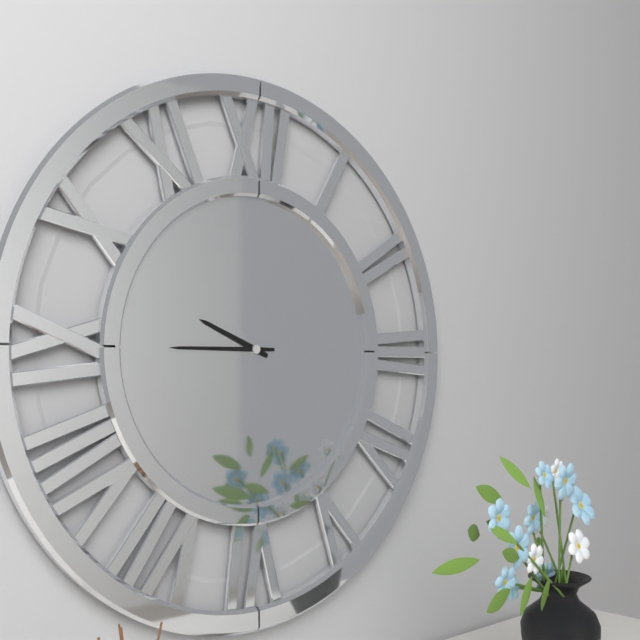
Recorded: h=9 m=45
